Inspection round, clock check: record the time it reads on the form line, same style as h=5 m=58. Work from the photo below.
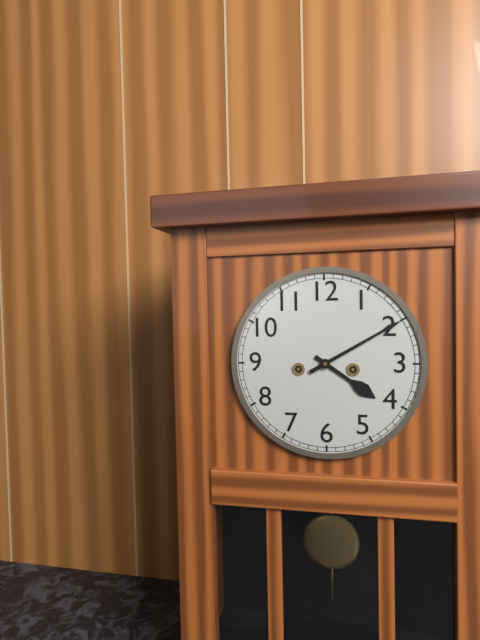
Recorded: h=4 m=10
